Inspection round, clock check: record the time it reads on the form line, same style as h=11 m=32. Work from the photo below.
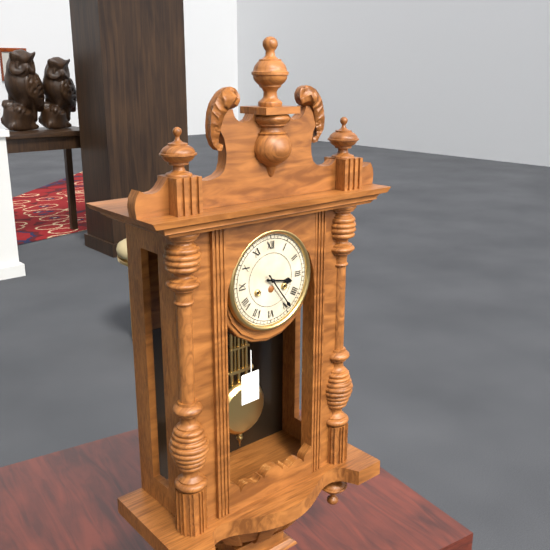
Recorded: h=3 m=24
